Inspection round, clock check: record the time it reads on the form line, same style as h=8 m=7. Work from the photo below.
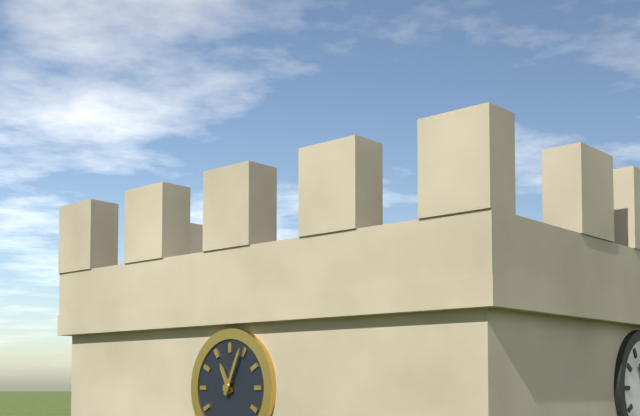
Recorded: h=11 m=4
